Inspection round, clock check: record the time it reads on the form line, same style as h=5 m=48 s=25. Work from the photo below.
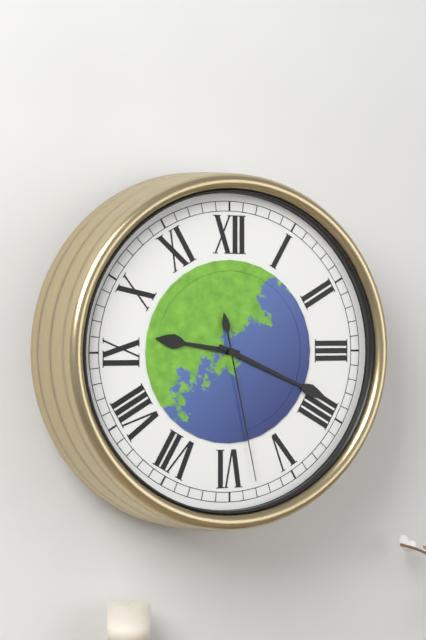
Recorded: h=9 m=19 s=28
